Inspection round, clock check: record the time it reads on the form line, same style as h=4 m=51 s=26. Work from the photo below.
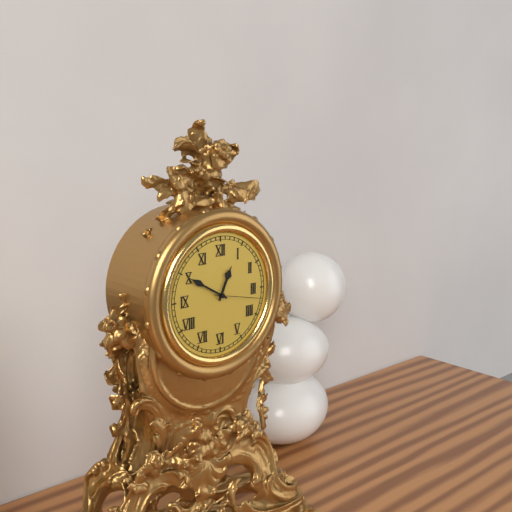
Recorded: h=12 m=50 s=17
